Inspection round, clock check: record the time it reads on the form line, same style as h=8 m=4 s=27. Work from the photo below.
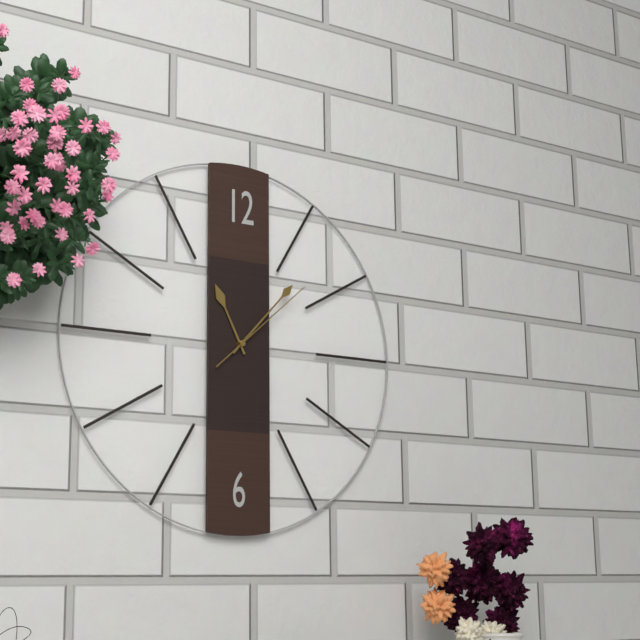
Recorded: h=11 m=7 s=8
